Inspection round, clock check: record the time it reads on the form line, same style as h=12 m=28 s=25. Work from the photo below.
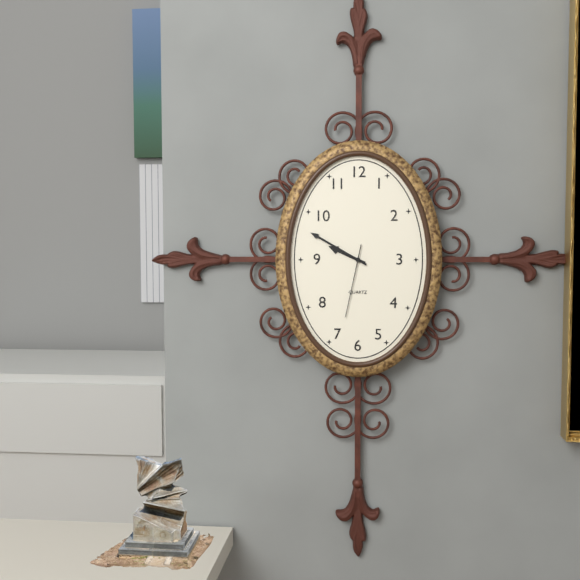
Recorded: h=9 m=50 s=32
